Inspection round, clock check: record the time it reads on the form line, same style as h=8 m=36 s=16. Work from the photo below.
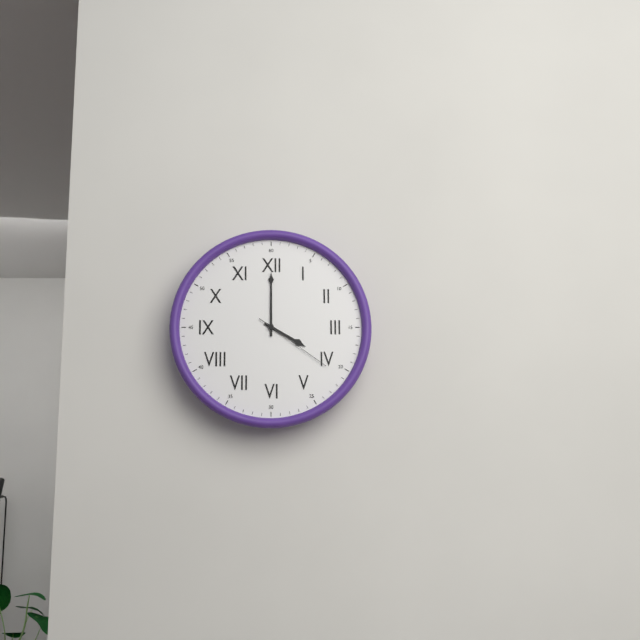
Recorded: h=4 m=0 s=21
